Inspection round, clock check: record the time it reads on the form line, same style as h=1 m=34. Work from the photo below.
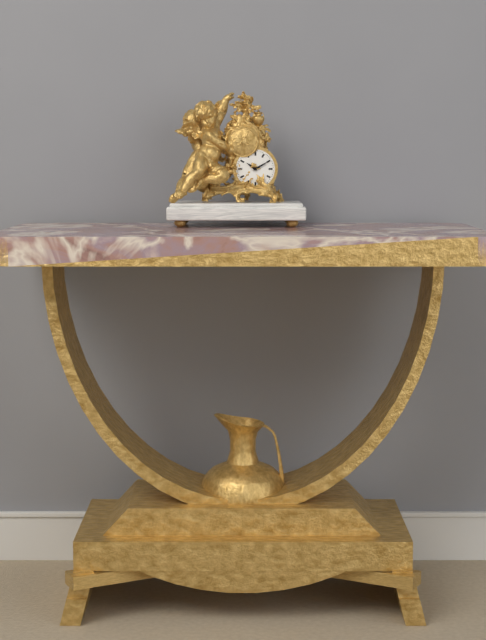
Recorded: h=10 m=10
